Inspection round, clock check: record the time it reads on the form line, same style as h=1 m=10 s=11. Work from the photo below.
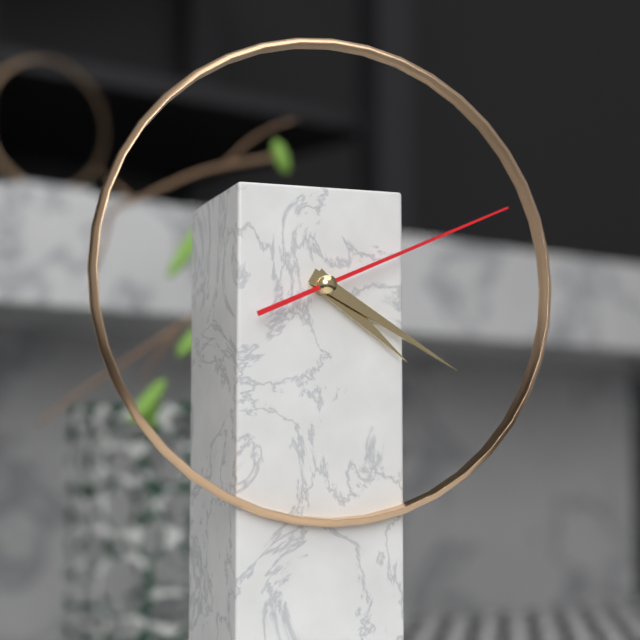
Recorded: h=4 m=20 s=11
